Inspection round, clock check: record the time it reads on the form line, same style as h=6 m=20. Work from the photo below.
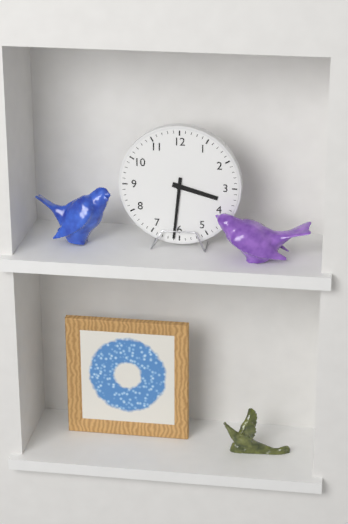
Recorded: h=3 m=31
